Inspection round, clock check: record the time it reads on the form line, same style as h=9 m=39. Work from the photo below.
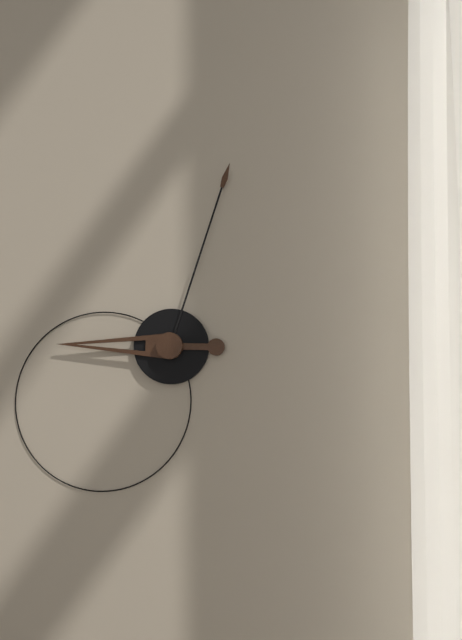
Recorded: h=9 m=3
